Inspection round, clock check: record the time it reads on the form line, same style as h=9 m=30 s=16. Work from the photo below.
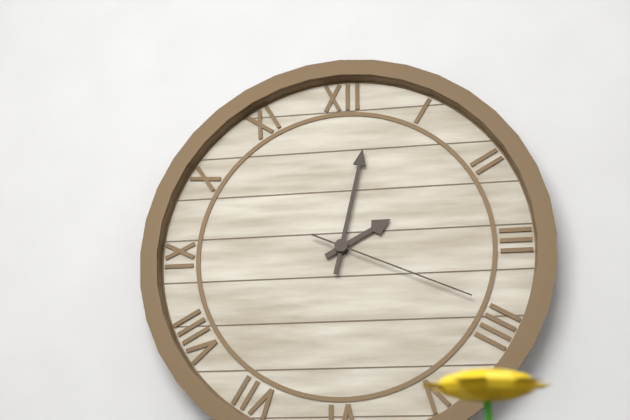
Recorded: h=2 m=2 s=19
